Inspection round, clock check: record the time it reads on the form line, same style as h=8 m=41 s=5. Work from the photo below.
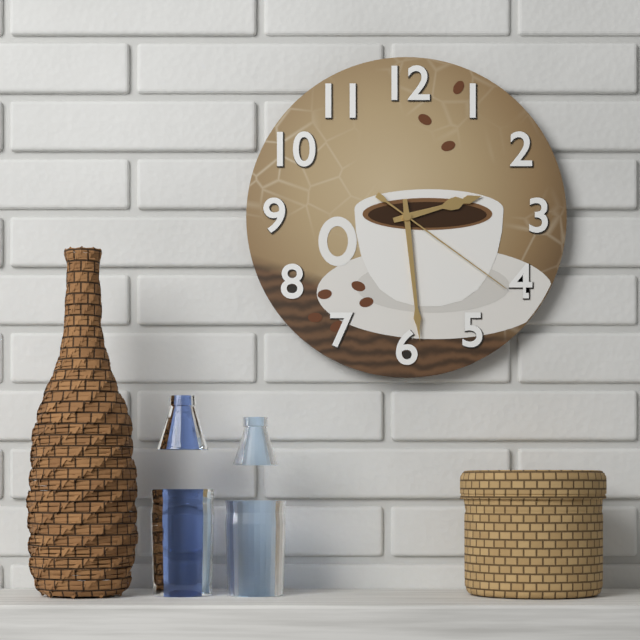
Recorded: h=2 m=29 s=21
